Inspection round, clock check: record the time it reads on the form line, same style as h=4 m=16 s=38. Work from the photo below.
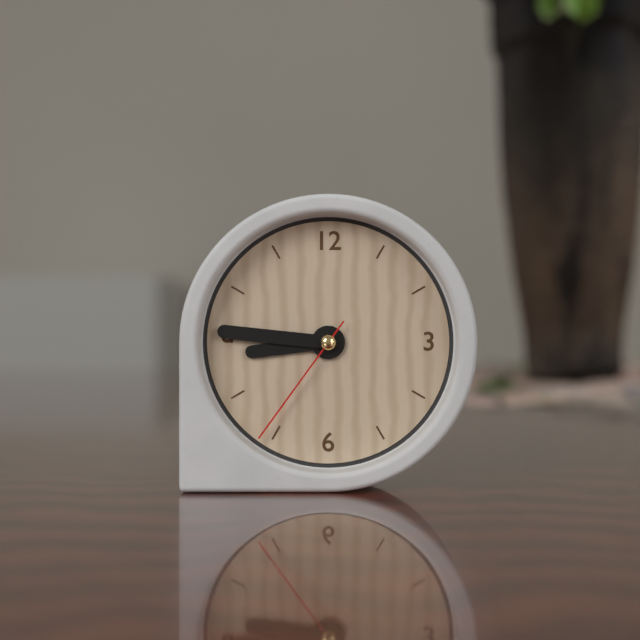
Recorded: h=8 m=46 s=36
